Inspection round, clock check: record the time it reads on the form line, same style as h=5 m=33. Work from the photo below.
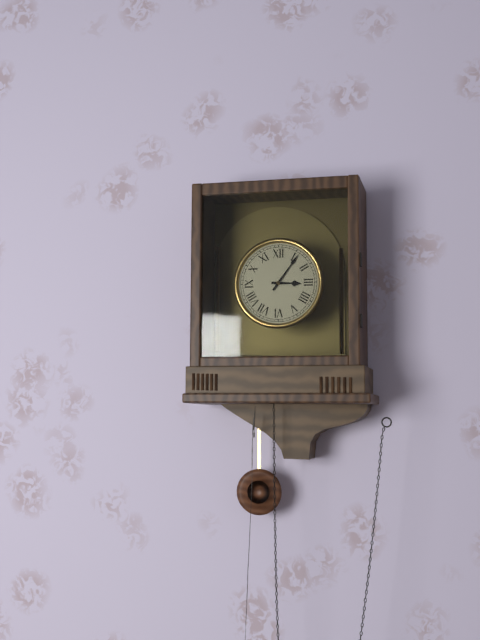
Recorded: h=3 m=6
